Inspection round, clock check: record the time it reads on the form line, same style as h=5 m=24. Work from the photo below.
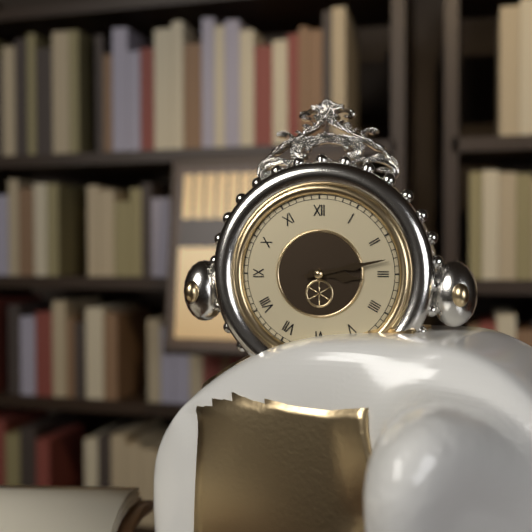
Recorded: h=3 m=13
